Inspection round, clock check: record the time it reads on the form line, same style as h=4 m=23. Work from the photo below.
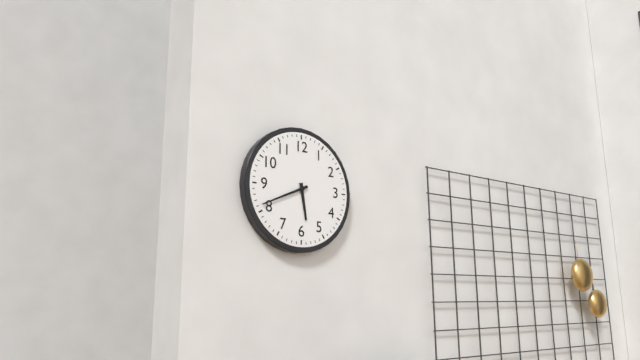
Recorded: h=5 m=41
